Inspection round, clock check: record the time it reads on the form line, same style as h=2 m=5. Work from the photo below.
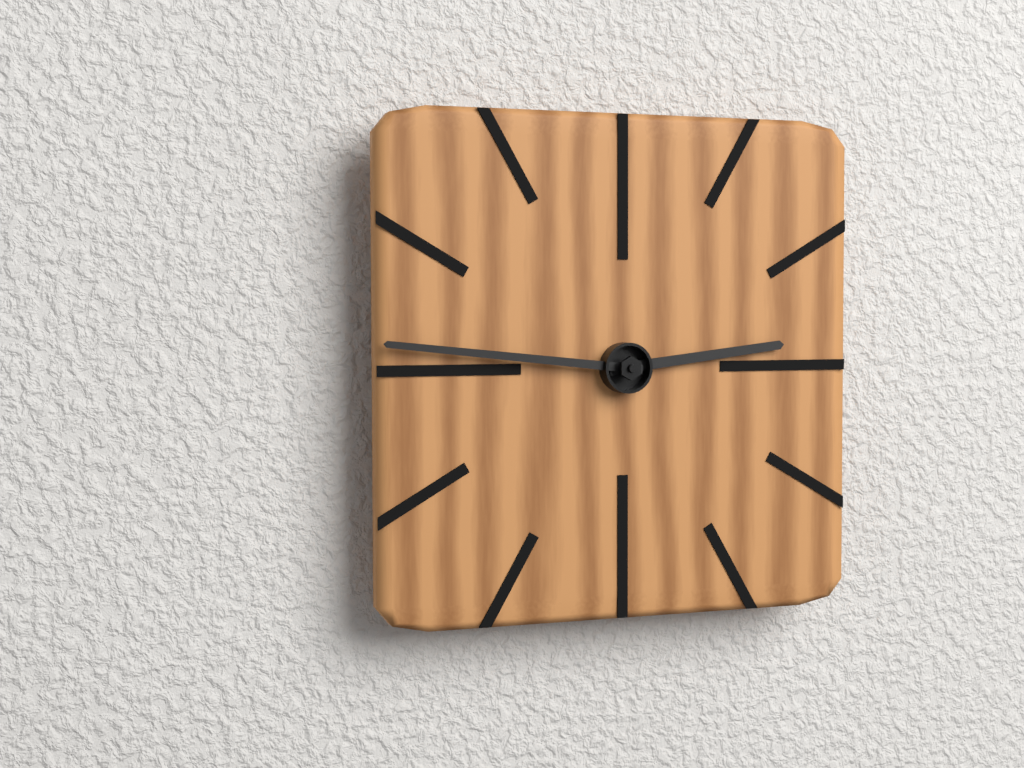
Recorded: h=2 m=46
